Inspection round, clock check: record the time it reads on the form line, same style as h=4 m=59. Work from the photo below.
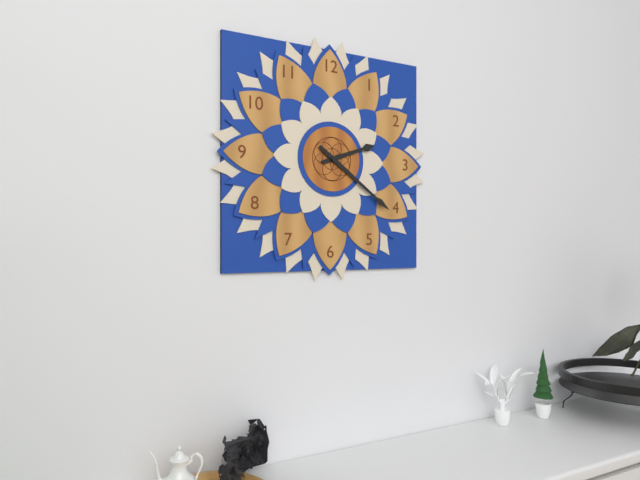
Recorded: h=2 m=21
